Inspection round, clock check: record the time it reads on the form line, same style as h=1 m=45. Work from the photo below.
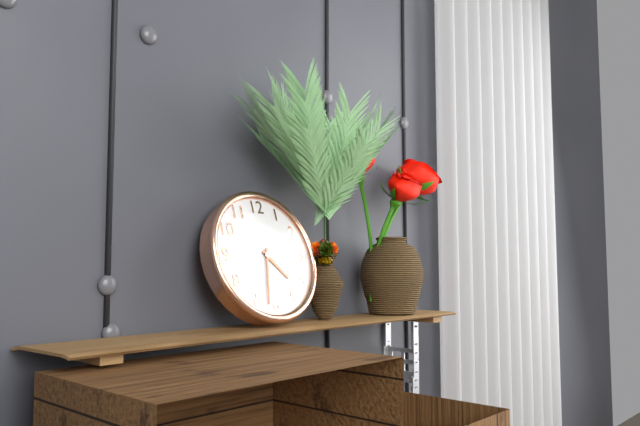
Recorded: h=4 m=32
